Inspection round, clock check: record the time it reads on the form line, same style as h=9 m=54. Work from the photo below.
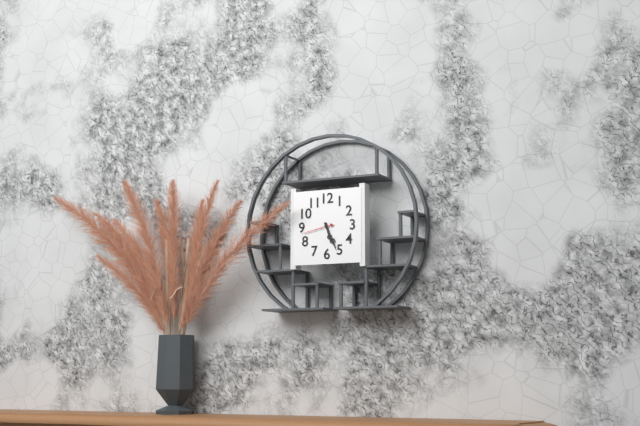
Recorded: h=5 m=26
